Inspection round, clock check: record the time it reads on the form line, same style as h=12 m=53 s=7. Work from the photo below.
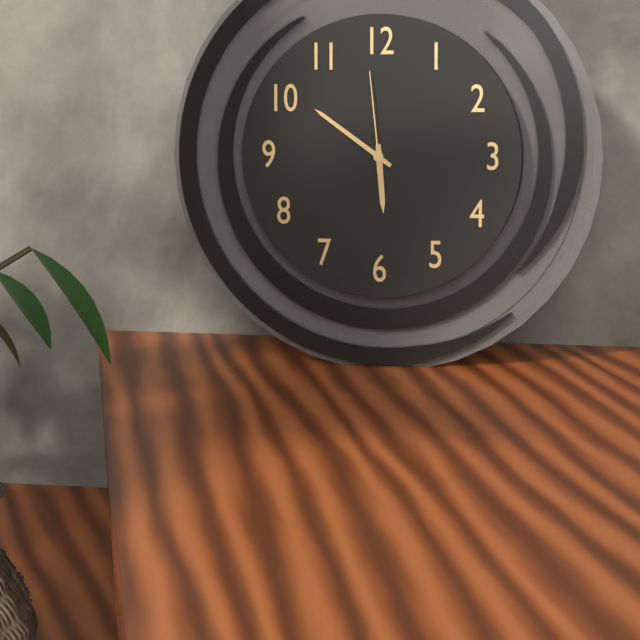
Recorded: h=5 m=51 s=59
